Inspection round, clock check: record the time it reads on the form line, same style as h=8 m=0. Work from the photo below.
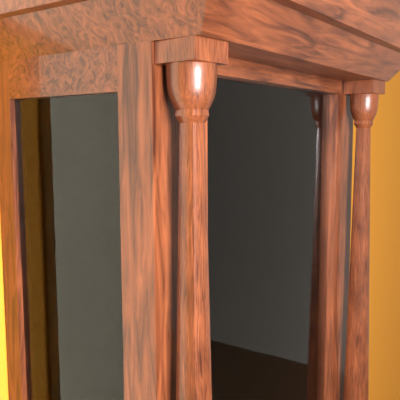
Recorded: h=5 m=20
